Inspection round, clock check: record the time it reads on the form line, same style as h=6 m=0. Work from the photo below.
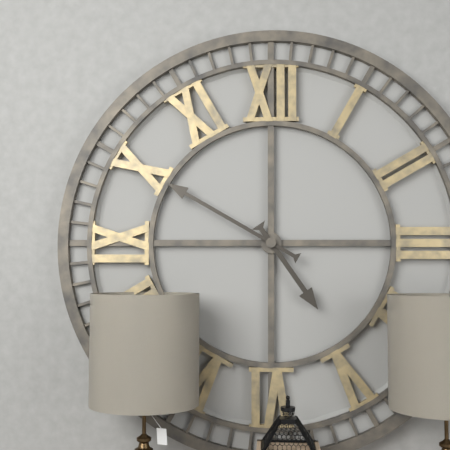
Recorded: h=4 m=50
